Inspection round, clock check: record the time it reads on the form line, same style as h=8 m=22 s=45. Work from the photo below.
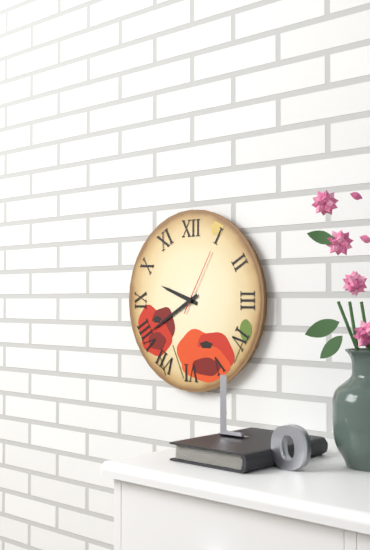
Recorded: h=9 m=40 s=5
